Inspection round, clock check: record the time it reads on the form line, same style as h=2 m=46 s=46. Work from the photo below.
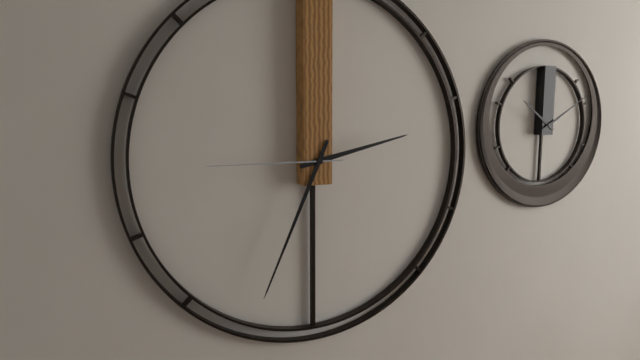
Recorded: h=2 m=34 s=45
